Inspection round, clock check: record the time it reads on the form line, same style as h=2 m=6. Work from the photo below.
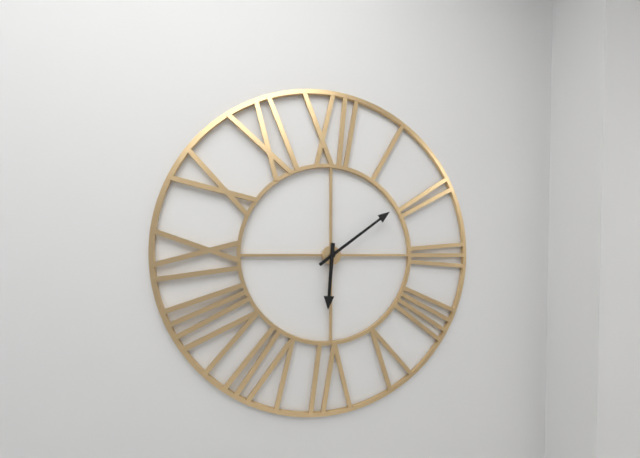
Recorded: h=6 m=9
